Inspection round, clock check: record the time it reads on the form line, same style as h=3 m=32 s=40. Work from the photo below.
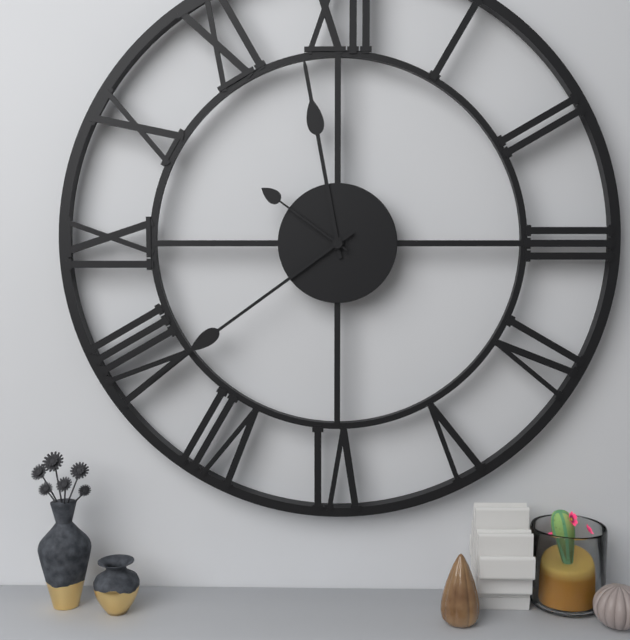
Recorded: h=11 m=39 s=51
